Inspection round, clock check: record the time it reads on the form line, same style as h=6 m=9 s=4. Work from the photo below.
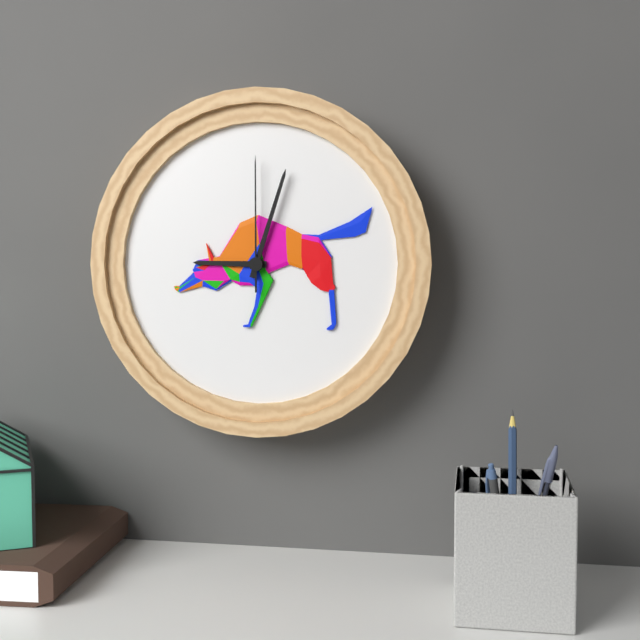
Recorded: h=9 m=3 s=0
